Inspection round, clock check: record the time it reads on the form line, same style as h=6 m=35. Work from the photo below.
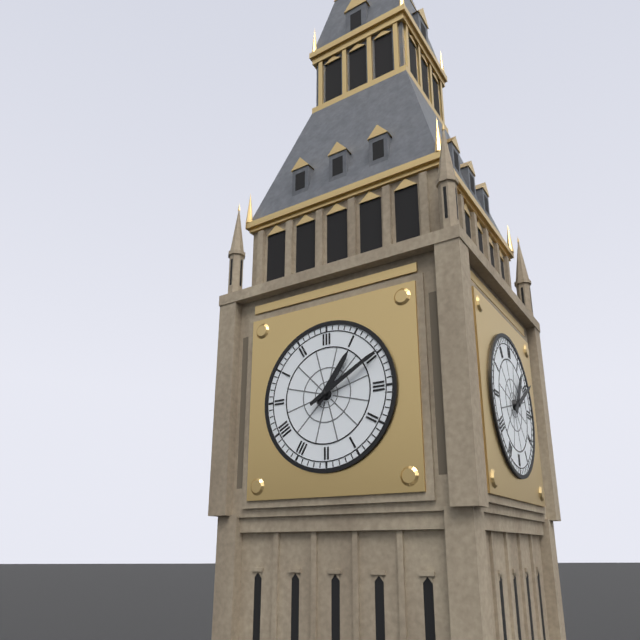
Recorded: h=1 m=10
